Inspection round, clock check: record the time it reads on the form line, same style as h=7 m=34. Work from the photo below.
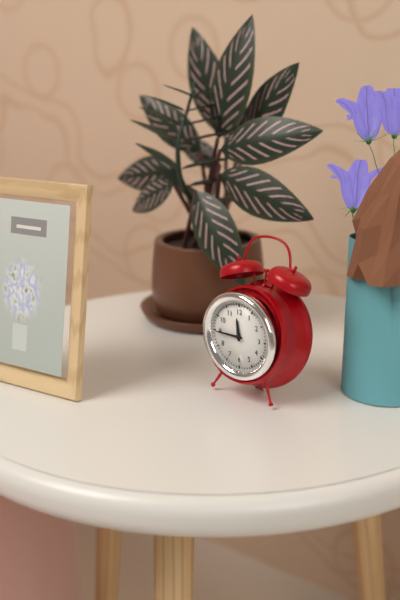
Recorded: h=11 m=45
